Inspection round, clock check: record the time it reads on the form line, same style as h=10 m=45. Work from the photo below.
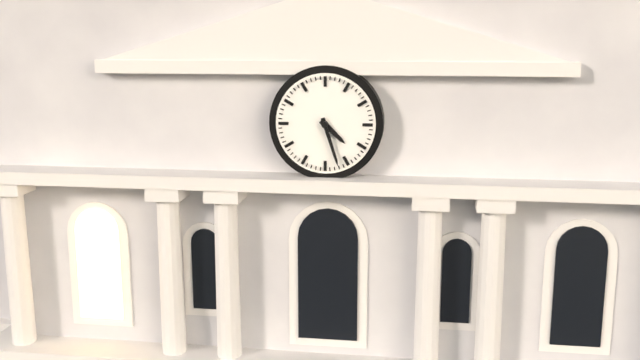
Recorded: h=4 m=27
